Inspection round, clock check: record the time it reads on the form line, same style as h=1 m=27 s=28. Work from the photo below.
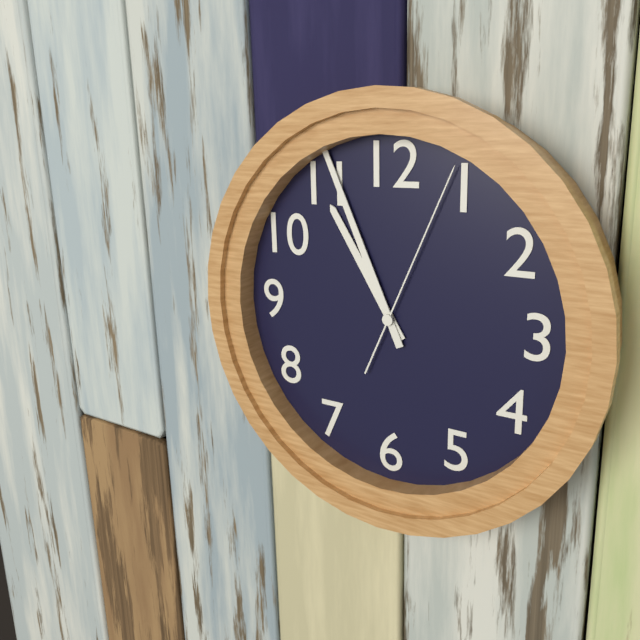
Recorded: h=10 m=56 s=4
